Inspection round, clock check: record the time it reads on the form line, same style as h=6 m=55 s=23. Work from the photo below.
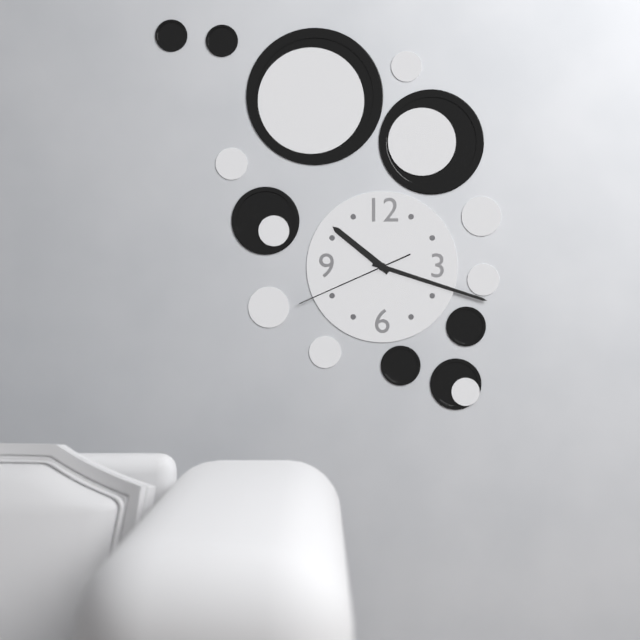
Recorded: h=10 m=18 s=41
